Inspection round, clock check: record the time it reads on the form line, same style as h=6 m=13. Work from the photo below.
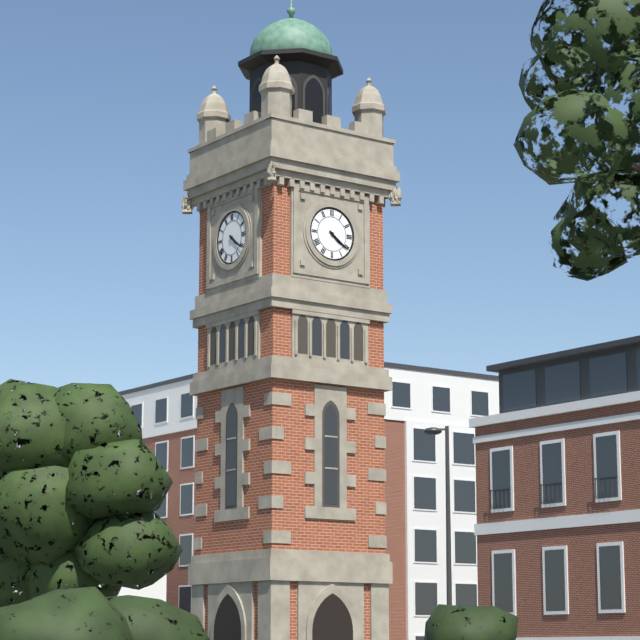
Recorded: h=4 m=21
